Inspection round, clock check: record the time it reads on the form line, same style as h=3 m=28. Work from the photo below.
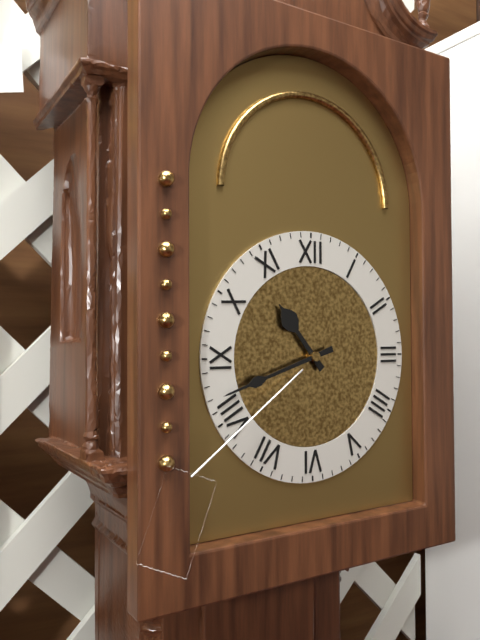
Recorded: h=10 m=42
